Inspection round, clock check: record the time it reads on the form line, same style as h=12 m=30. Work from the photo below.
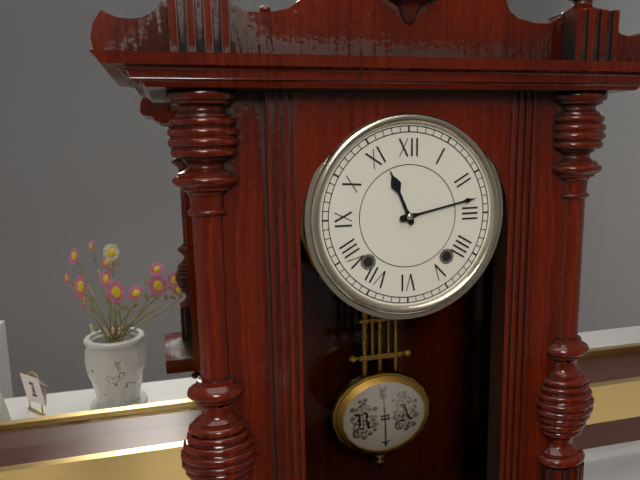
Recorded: h=11 m=13
